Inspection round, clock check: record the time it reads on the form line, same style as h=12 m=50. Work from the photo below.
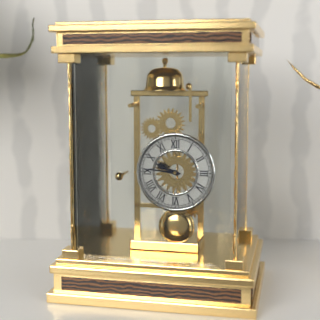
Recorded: h=9 m=46
